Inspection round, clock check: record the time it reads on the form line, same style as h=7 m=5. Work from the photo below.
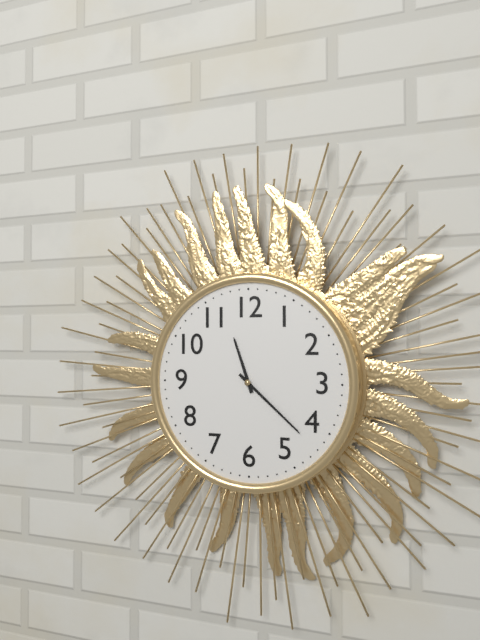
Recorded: h=11 m=22
